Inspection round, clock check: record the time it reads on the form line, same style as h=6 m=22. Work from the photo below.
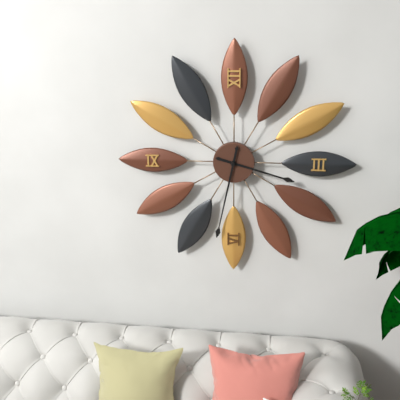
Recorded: h=3 m=32
